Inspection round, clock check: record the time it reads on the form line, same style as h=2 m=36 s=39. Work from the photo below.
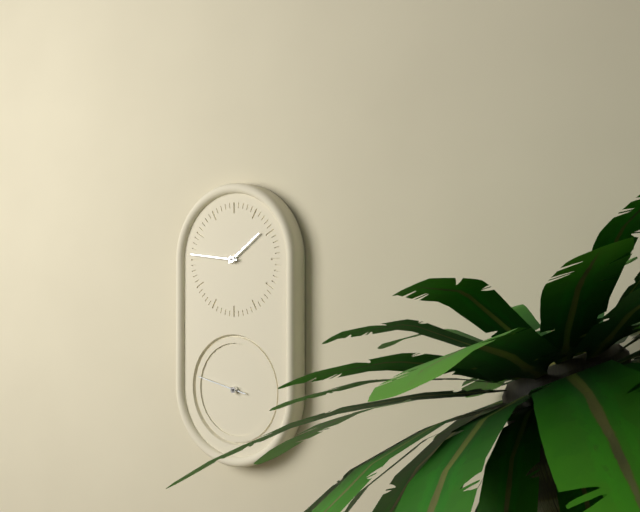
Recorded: h=1 m=46 s=47
